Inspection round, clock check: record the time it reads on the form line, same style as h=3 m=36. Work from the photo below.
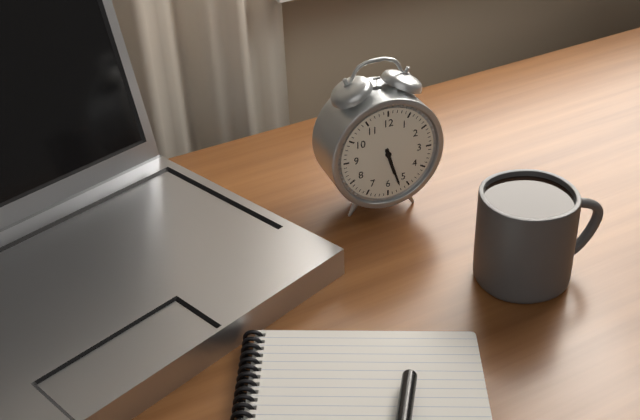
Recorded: h=5 m=27
